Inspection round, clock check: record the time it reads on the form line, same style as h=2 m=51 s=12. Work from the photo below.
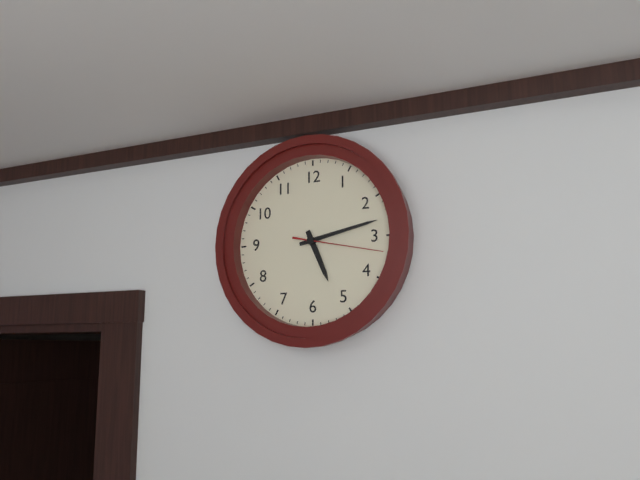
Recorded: h=5 m=13 s=17
